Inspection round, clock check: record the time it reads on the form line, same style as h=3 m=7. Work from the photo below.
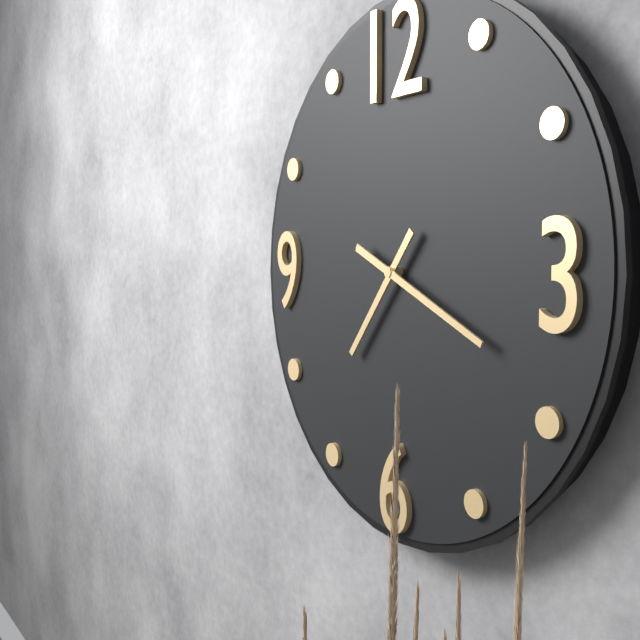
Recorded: h=7 m=19
